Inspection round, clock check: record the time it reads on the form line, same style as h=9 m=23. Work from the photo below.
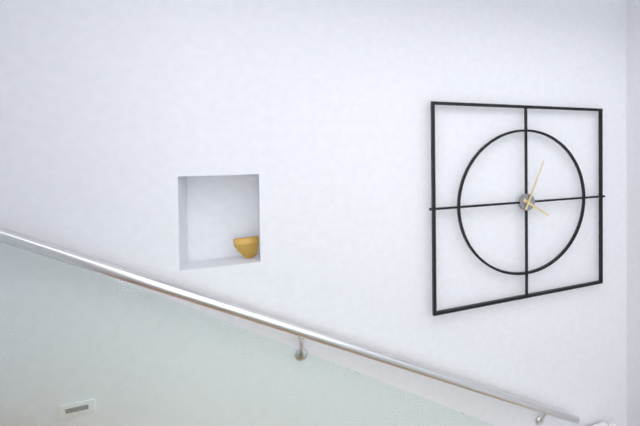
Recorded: h=4 m=4
